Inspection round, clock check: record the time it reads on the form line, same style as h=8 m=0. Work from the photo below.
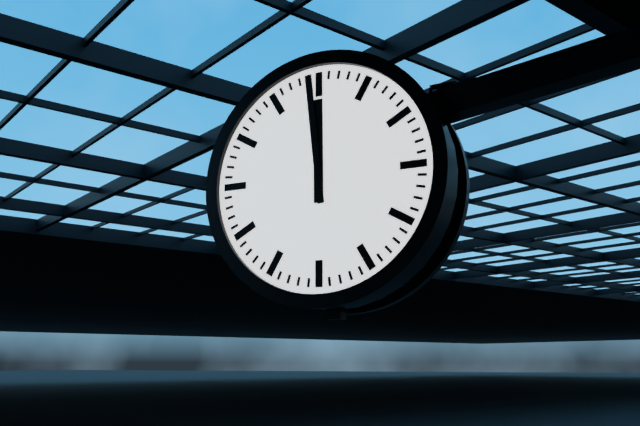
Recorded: h=11 m=59
